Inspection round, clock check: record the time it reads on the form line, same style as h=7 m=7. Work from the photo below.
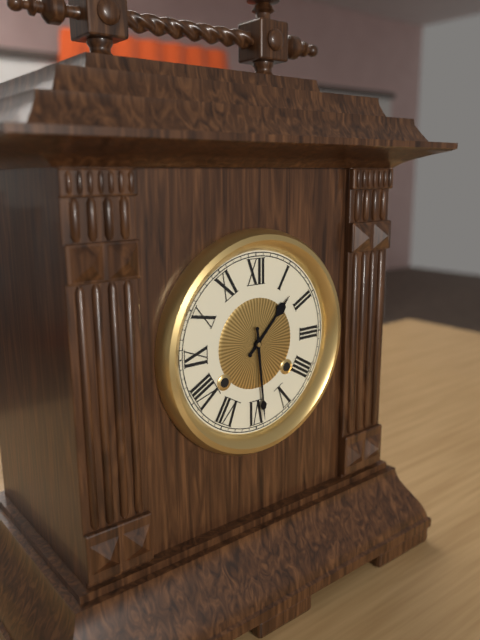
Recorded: h=1 m=29
